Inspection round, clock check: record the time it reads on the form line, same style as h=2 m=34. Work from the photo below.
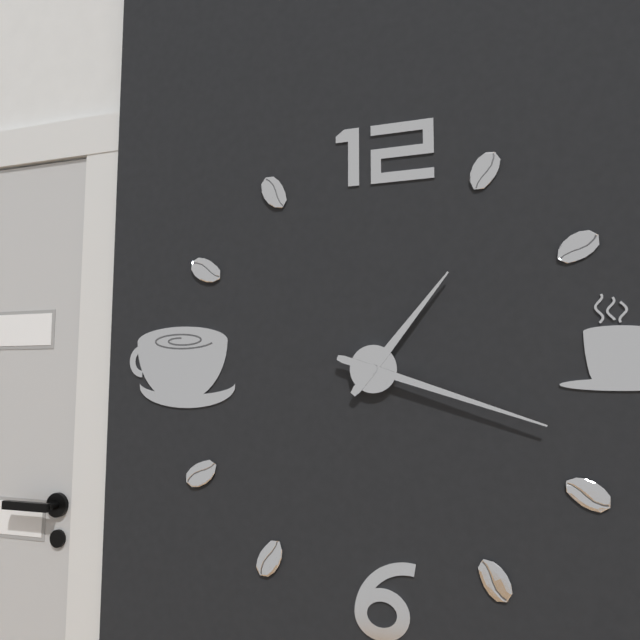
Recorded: h=1 m=18
